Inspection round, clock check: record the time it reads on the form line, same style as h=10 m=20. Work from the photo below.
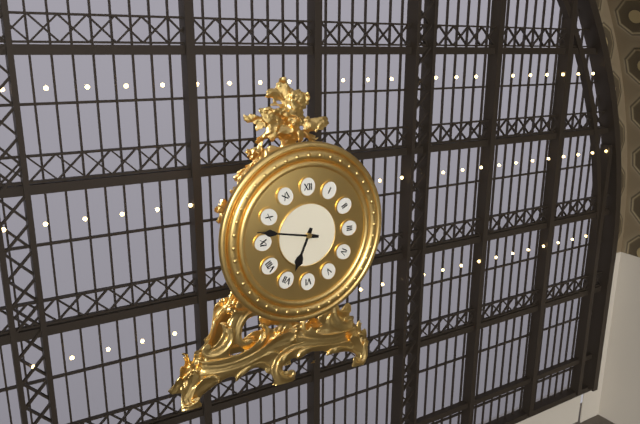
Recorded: h=6 m=47
